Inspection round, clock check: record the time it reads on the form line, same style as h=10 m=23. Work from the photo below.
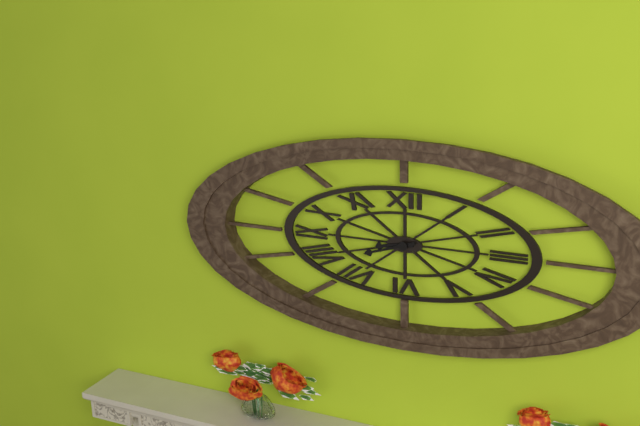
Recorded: h=8 m=42
